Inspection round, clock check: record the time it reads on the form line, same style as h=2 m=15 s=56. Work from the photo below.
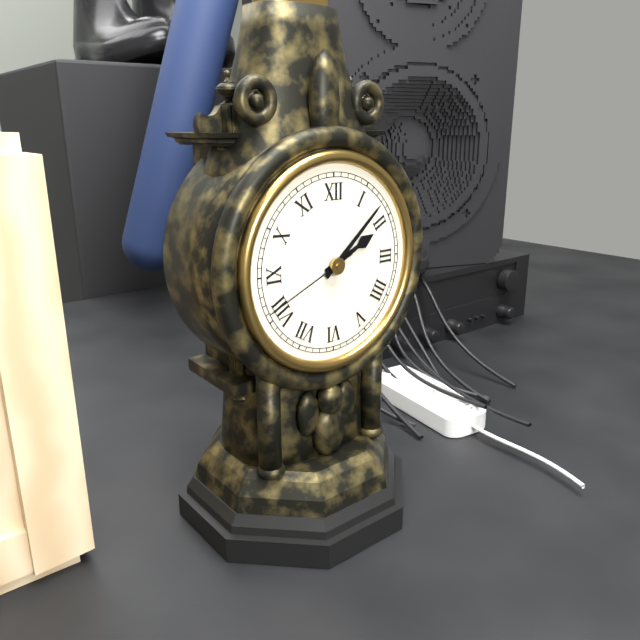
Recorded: h=2 m=8 s=41
